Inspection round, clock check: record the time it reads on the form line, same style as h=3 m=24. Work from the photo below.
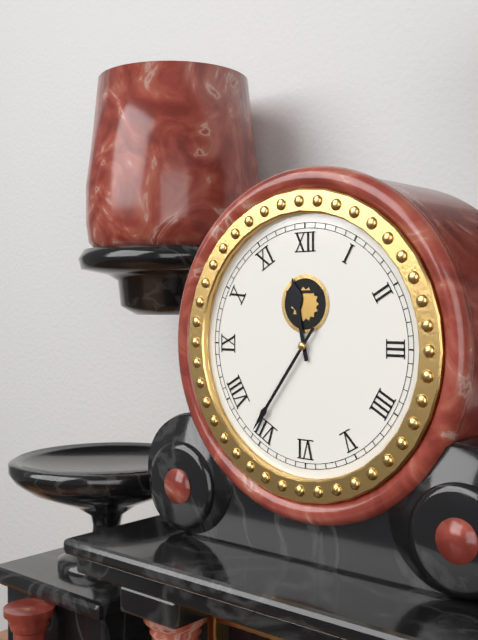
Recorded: h=11 m=36
